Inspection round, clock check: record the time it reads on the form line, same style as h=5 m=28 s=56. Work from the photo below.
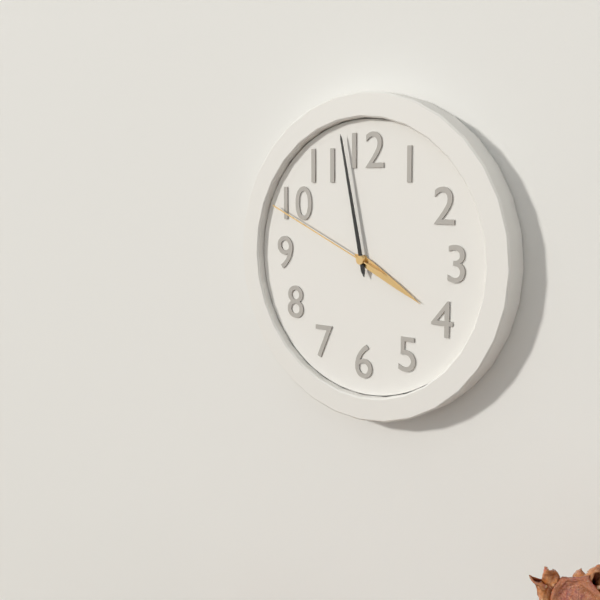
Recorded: h=3 m=58 s=49
